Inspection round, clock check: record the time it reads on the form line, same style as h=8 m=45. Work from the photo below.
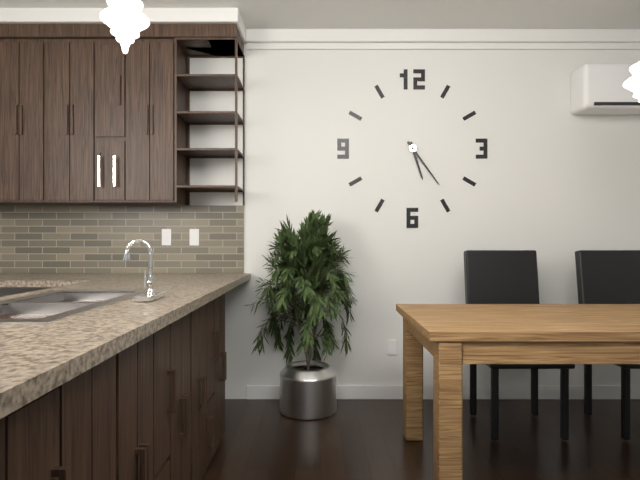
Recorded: h=5 m=24
